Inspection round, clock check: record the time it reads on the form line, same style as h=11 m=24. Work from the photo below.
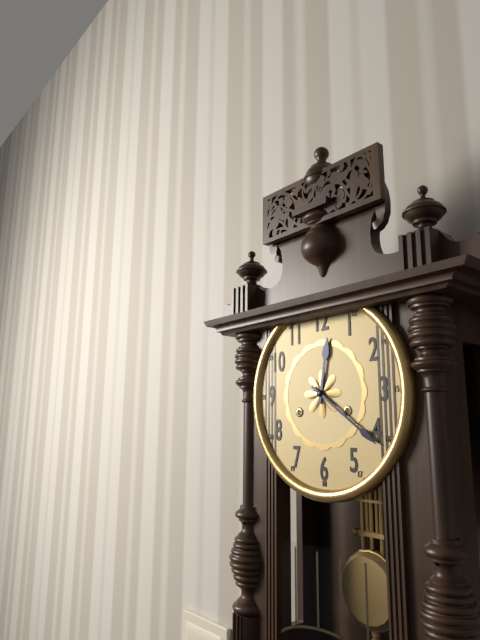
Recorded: h=12 m=21
